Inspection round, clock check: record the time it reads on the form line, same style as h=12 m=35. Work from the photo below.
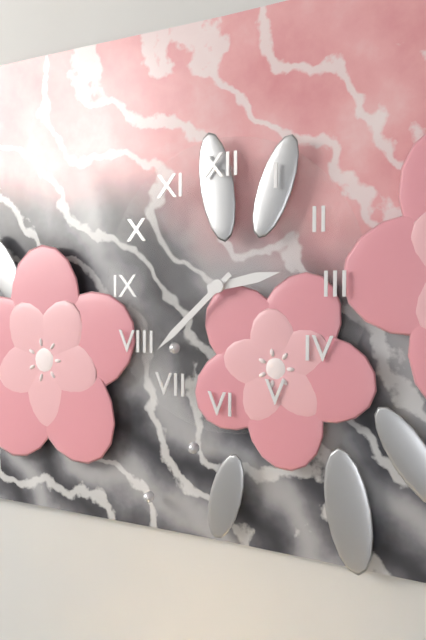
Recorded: h=2 m=38
